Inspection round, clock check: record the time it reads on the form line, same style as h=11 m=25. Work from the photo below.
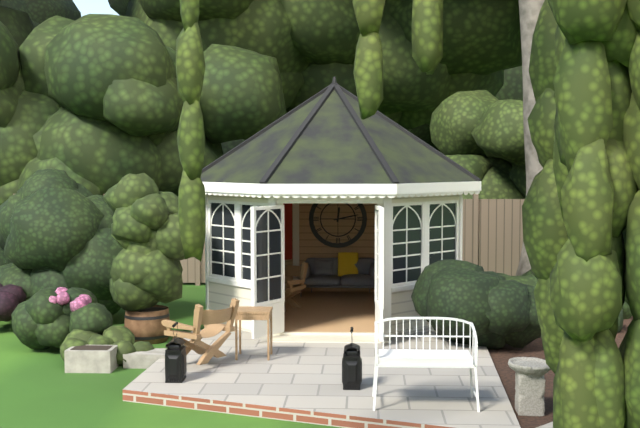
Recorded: h=12 m=13
